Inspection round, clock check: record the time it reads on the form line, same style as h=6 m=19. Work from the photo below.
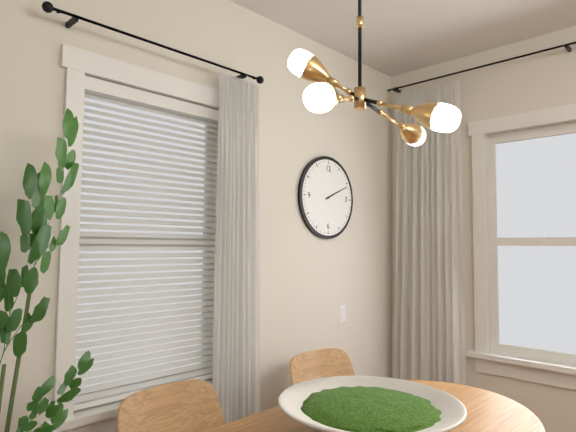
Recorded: h=2 m=11
